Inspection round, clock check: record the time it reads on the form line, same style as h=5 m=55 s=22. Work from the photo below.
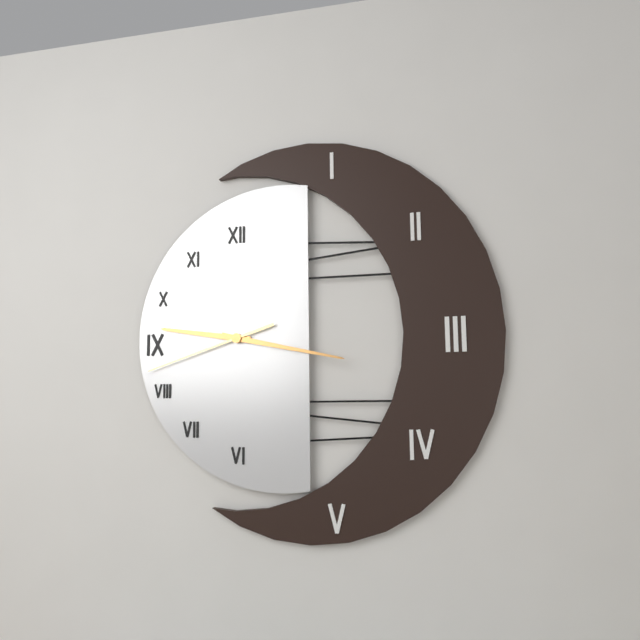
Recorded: h=9 m=17 s=42
